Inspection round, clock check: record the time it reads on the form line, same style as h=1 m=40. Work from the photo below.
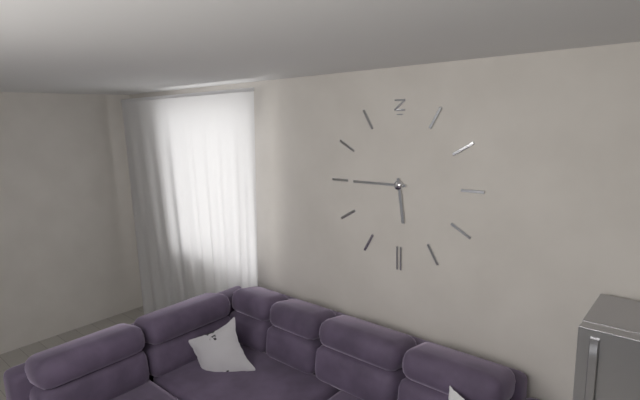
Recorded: h=5 m=45
